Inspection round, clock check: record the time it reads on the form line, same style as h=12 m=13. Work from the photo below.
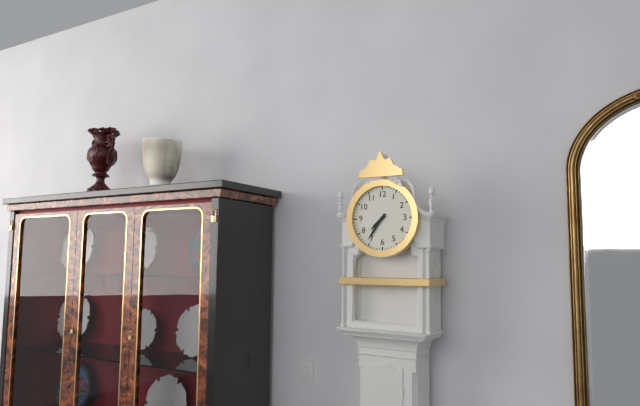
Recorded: h=7 m=36
